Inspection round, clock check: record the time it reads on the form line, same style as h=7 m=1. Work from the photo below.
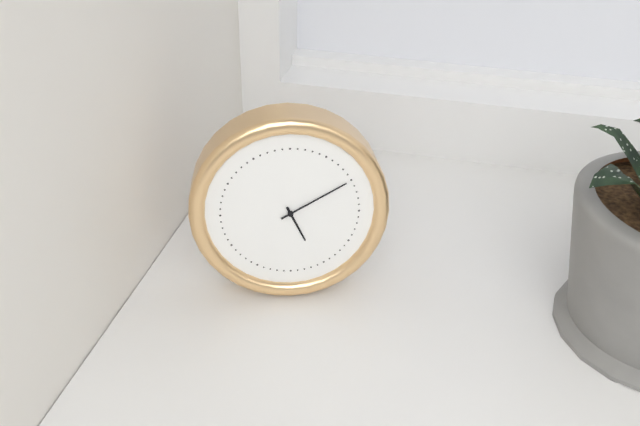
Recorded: h=5 m=10
